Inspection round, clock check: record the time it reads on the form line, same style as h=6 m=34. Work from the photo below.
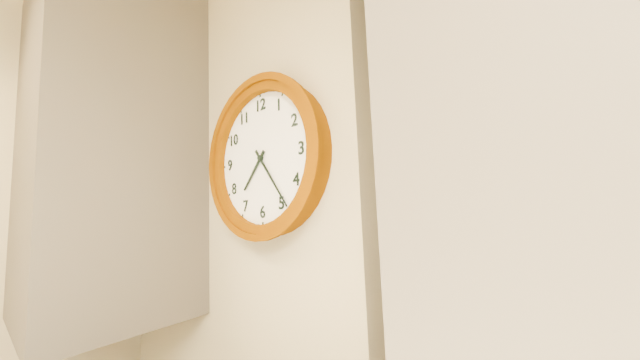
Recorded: h=7 m=24
